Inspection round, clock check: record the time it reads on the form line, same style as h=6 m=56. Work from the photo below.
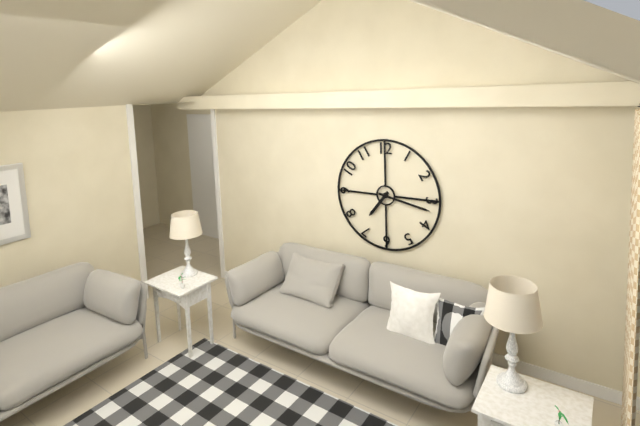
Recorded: h=7 m=17
